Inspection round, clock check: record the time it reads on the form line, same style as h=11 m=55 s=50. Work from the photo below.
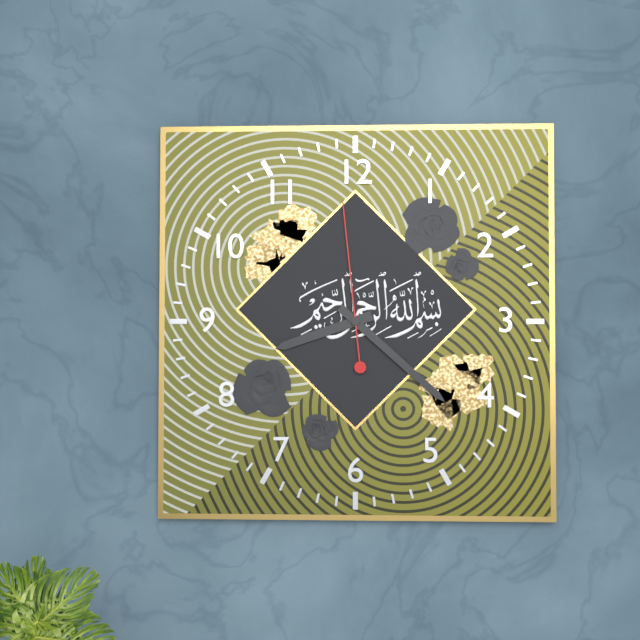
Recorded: h=8 m=22 s=59
